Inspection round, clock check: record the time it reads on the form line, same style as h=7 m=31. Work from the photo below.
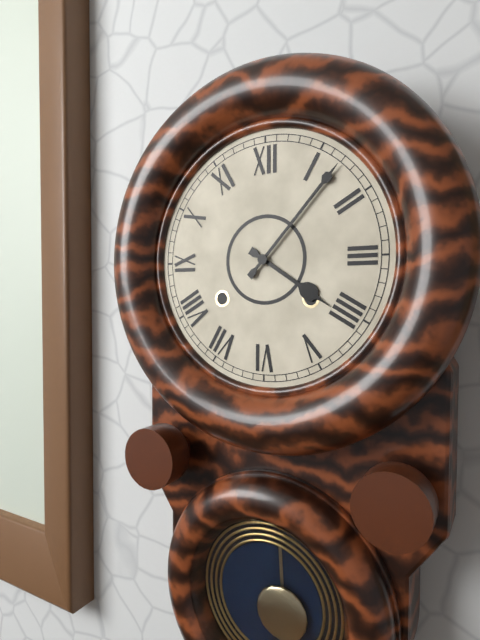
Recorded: h=4 m=7
